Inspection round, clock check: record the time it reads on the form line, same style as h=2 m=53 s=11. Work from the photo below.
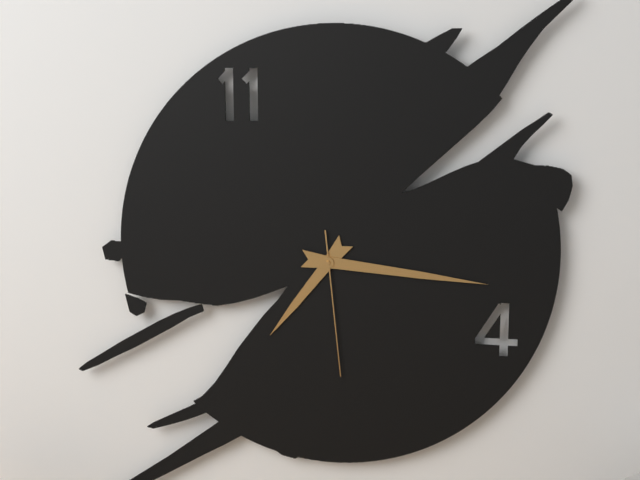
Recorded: h=7 m=16 s=29
